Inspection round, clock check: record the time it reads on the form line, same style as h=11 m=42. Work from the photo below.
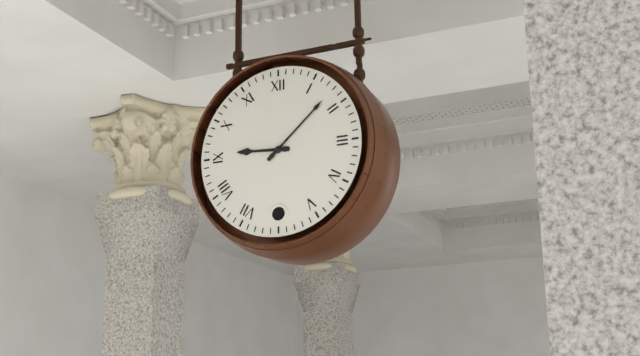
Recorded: h=9 m=8
